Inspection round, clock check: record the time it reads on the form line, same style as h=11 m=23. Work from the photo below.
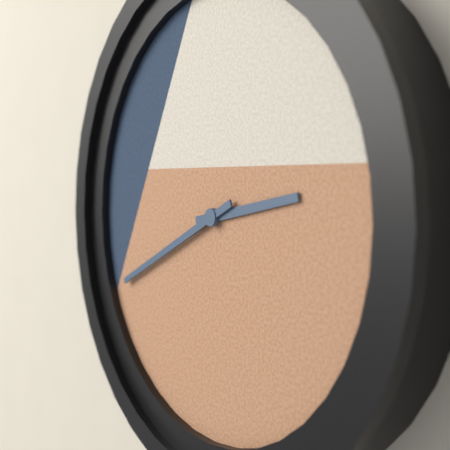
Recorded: h=2 m=41
